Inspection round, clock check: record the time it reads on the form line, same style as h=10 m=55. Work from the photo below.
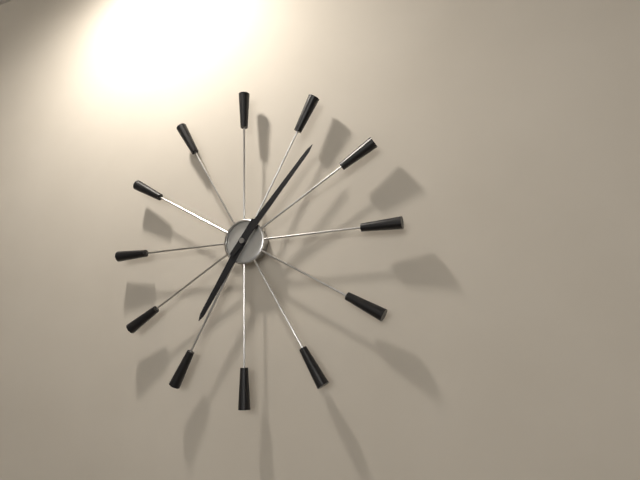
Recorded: h=7 m=7
